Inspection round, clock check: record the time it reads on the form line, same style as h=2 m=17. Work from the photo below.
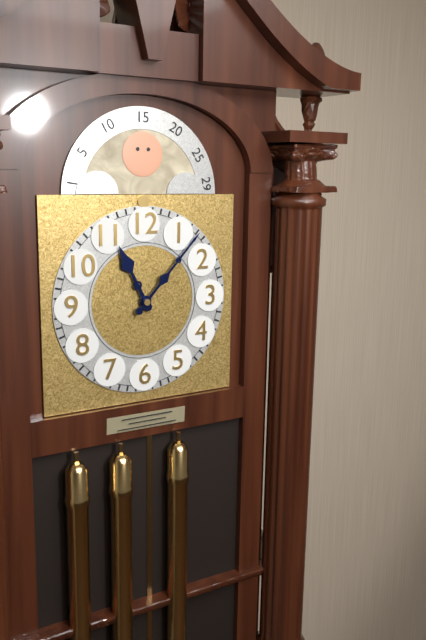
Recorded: h=11 m=7
